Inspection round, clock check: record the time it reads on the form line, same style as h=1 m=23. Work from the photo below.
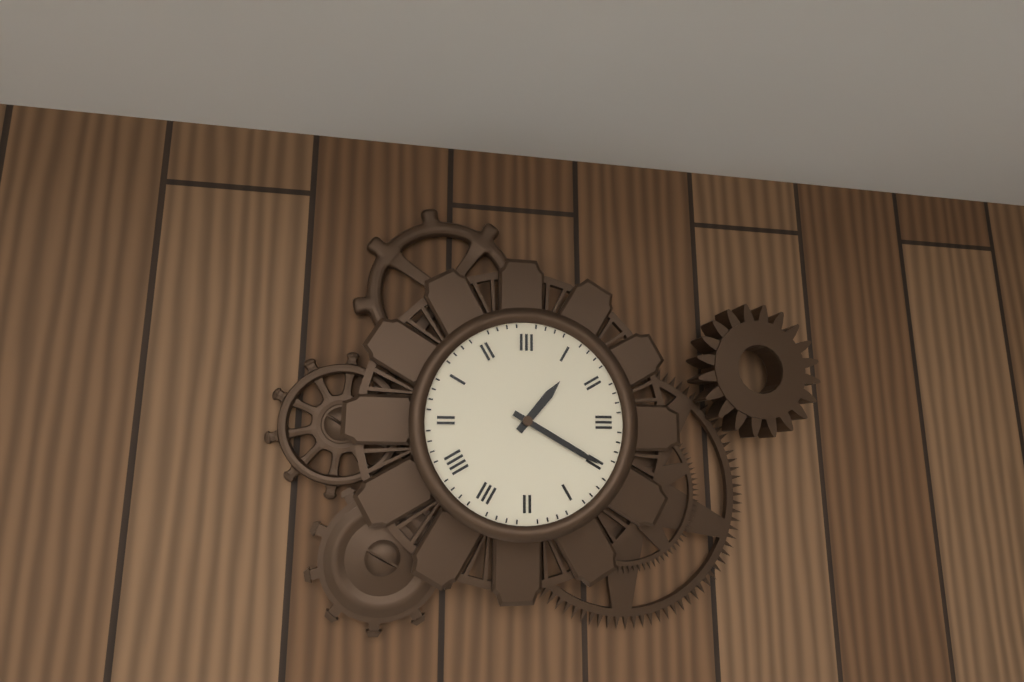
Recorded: h=1 m=20
